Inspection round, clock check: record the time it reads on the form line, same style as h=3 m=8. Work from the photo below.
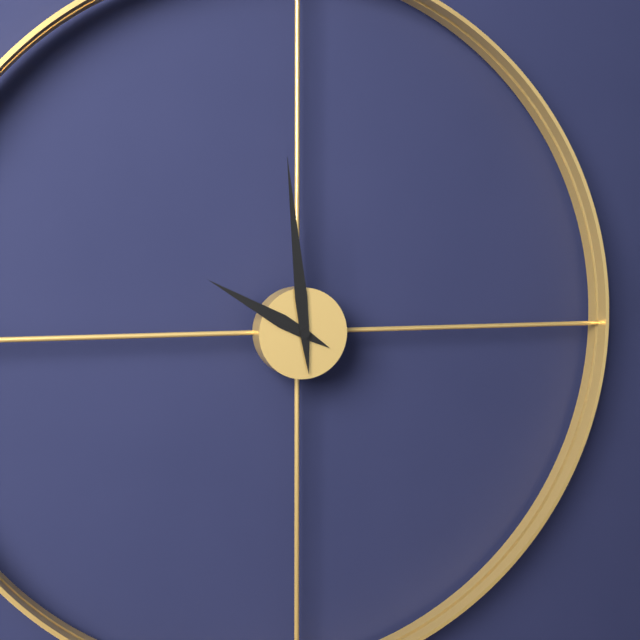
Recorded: h=9 m=59
